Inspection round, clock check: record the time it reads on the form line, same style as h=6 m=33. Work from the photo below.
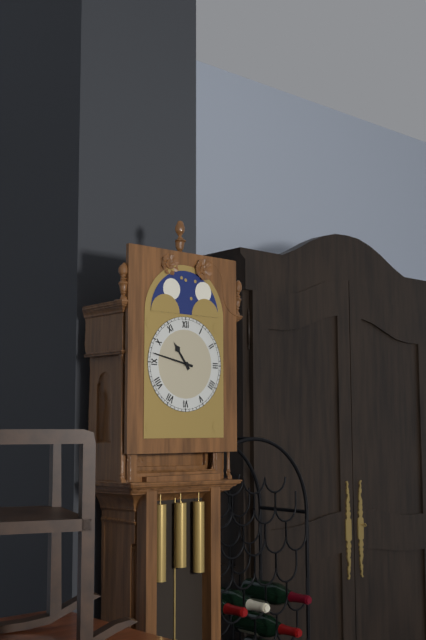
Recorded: h=10 m=47
